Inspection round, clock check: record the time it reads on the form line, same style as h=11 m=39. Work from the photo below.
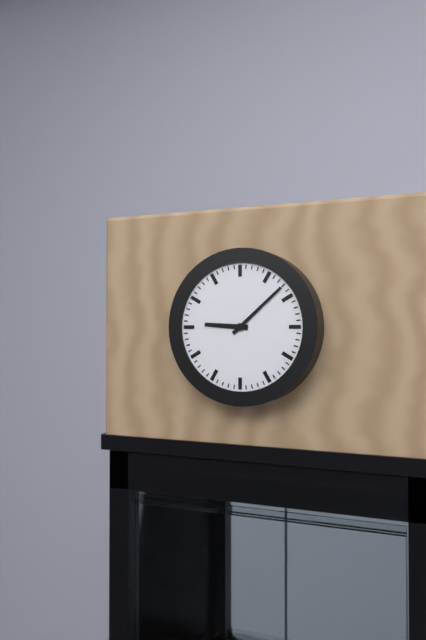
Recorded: h=9 m=8
